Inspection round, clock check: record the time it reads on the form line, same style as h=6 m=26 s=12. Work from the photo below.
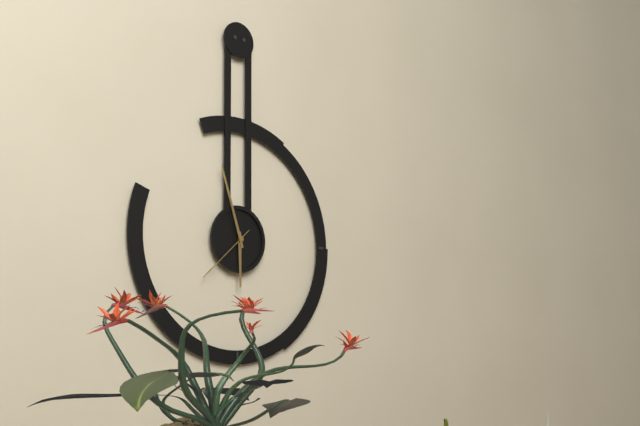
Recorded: h=5 m=57 s=38
